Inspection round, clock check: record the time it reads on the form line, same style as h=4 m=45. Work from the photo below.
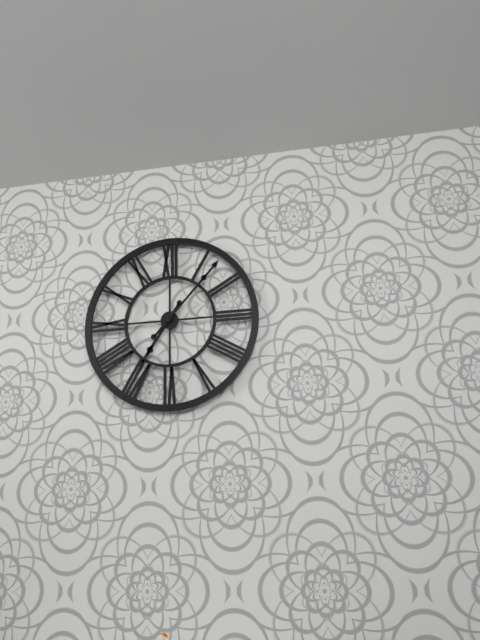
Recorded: h=7 m=7
